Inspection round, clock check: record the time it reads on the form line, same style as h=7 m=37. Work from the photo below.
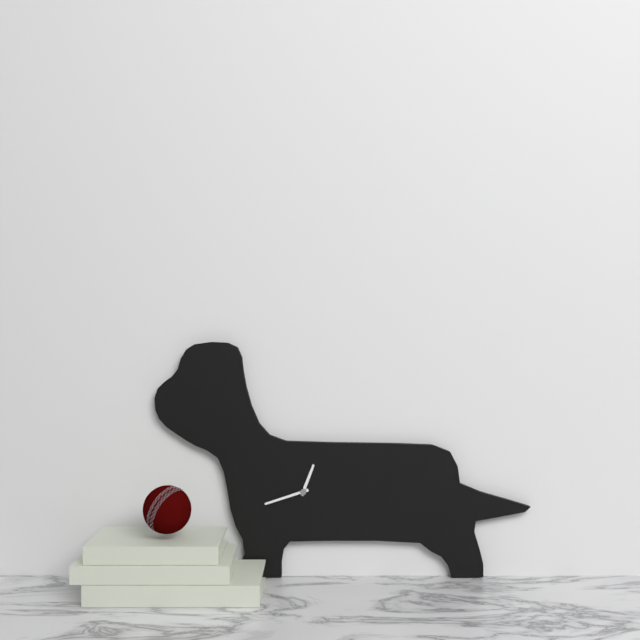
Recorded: h=12 m=42
